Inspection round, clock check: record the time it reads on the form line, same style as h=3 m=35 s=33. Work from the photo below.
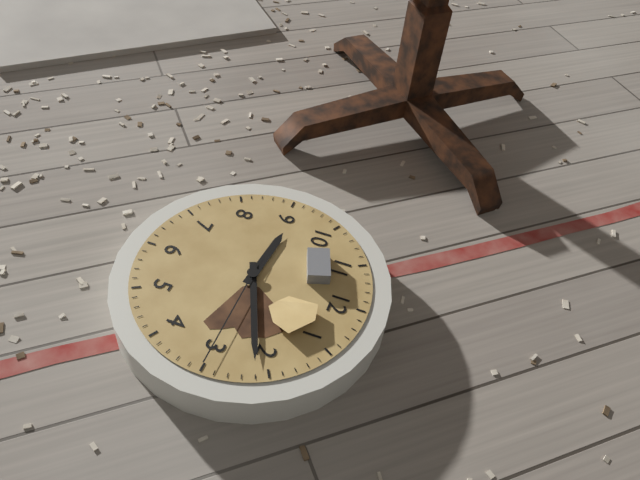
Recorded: h=9 m=11 s=15
